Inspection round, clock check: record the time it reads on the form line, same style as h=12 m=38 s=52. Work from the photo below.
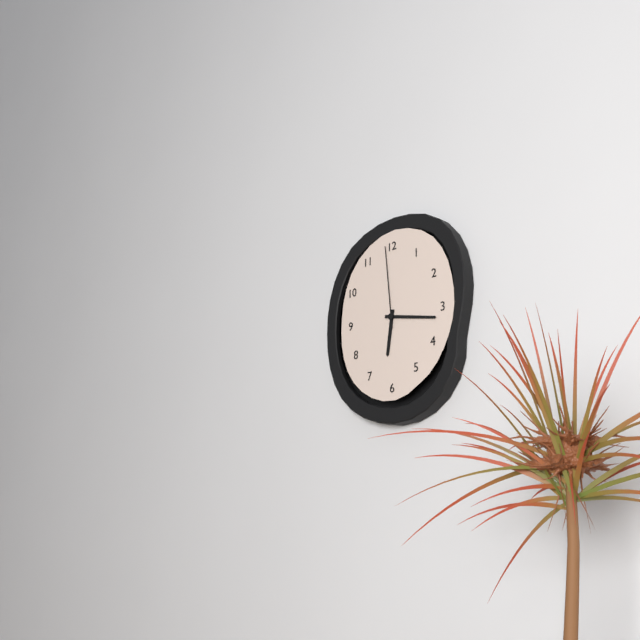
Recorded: h=6 m=17 s=59
